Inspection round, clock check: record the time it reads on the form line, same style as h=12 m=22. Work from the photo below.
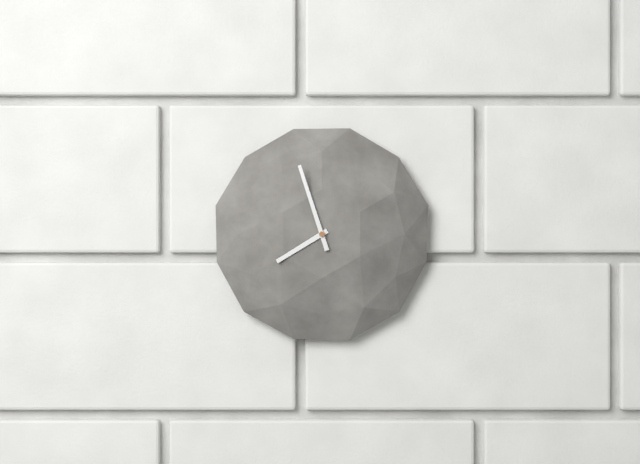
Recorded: h=7 m=57
